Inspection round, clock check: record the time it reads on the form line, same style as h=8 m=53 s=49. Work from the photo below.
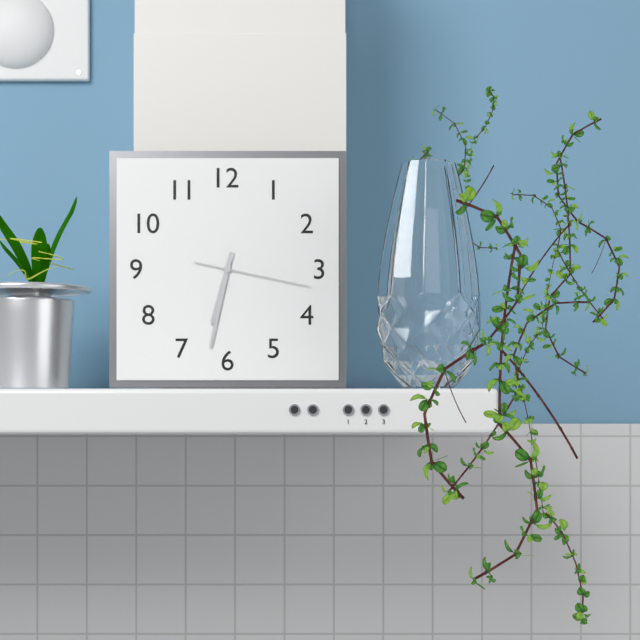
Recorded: h=6 m=32 s=17
